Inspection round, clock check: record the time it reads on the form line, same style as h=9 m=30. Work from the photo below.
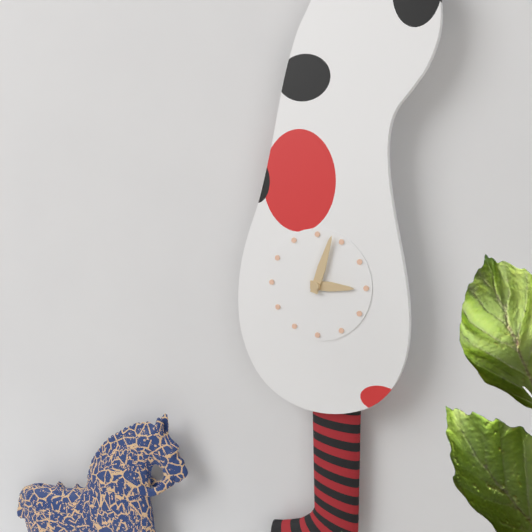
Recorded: h=3 m=3
